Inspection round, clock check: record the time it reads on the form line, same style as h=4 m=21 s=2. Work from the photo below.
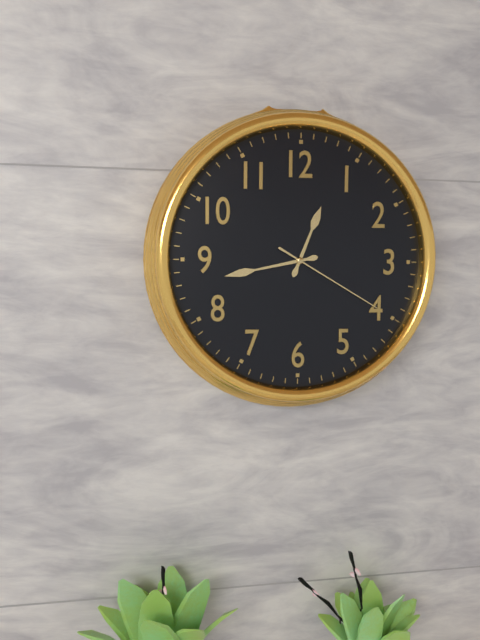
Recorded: h=12 m=43 s=20
